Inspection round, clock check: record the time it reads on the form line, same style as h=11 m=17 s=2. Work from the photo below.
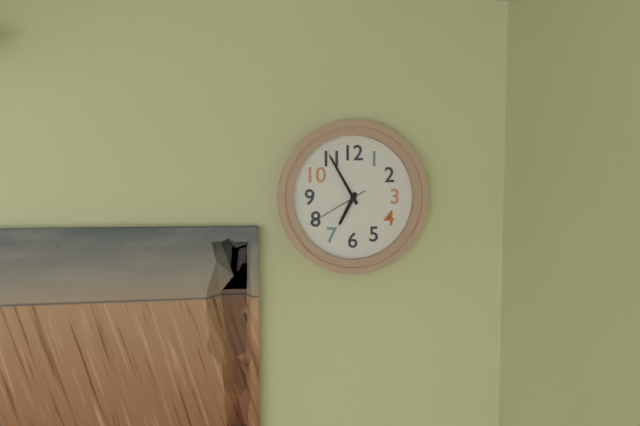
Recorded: h=6 m=55 s=40
